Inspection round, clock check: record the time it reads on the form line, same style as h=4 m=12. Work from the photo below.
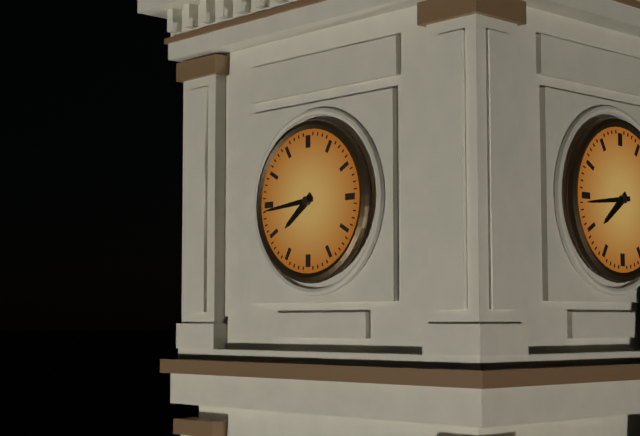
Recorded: h=7 m=44
